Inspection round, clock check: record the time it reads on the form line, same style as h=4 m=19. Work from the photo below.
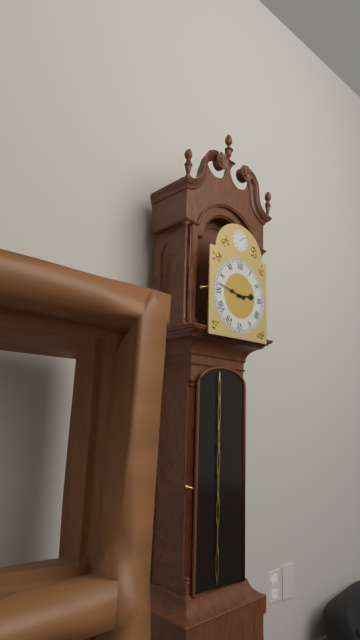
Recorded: h=2 m=47
